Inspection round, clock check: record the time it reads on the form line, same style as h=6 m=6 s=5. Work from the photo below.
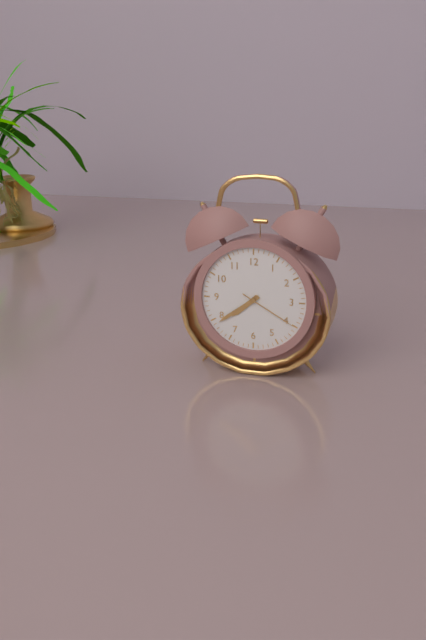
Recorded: h=7 m=39 s=20
